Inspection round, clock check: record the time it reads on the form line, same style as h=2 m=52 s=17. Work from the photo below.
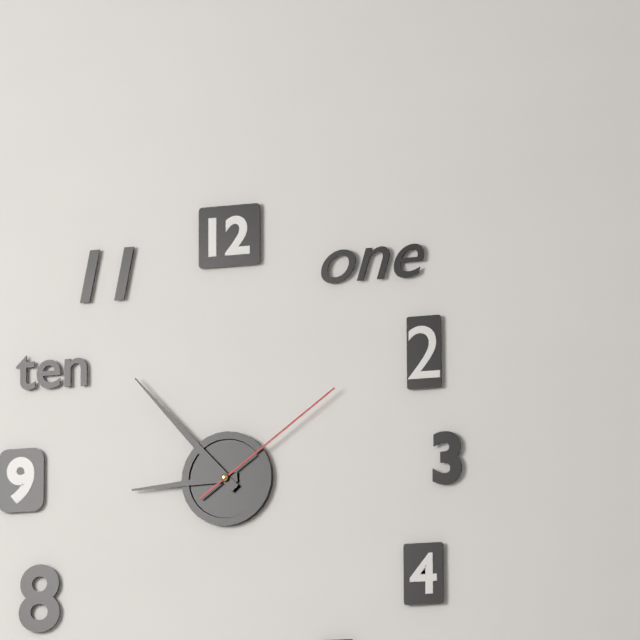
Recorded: h=8 m=53 s=9
